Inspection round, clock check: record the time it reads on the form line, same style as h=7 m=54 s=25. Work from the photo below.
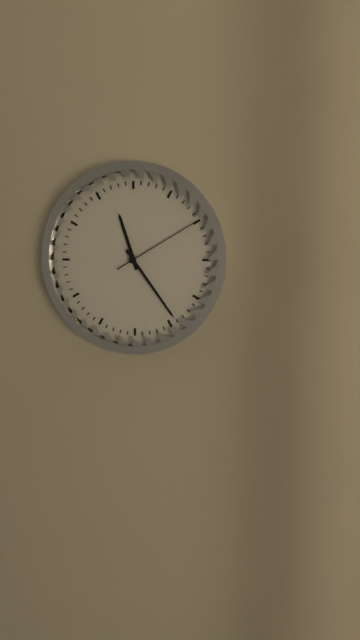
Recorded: h=11 m=24 s=10
